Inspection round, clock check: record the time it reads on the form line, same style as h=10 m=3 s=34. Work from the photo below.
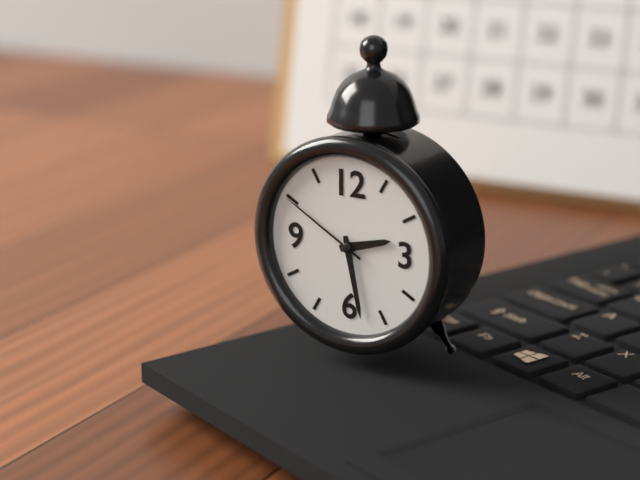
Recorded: h=2 m=28 s=50
